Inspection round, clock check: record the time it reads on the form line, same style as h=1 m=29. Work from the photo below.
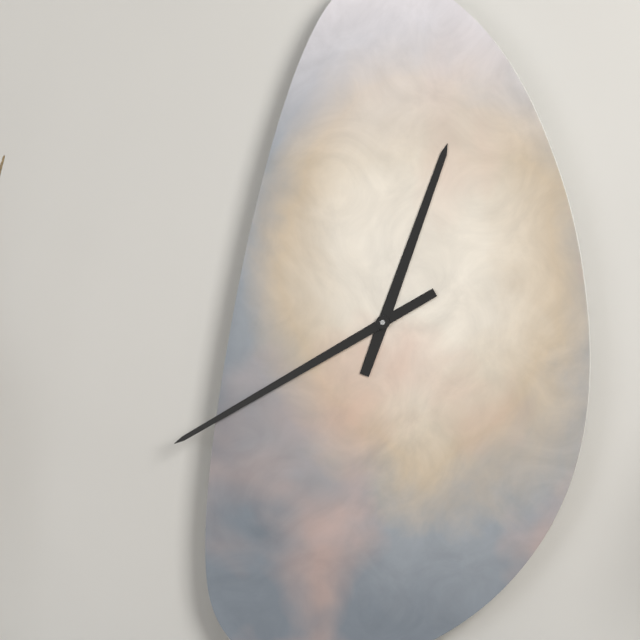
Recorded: h=12 m=40
